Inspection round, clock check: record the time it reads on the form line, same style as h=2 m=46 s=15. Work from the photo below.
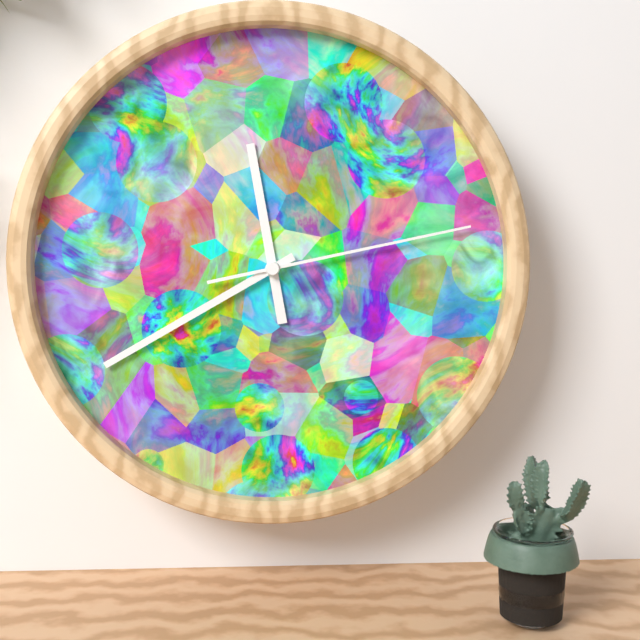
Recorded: h=11 m=40 s=13
